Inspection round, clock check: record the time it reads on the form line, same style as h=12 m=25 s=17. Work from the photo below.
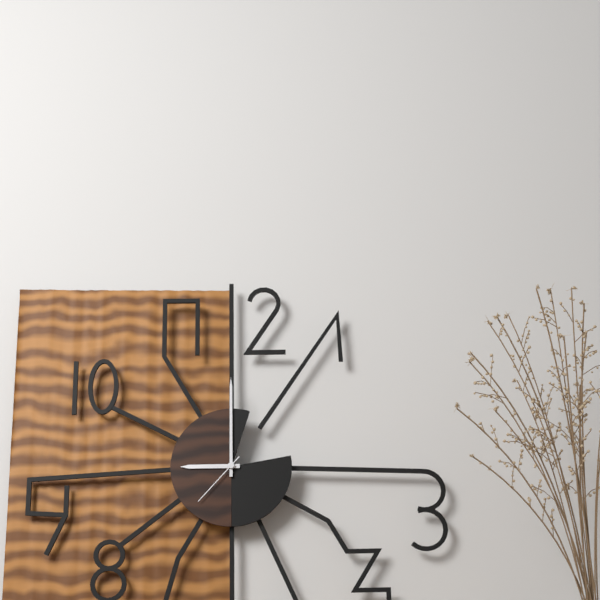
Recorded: h=9 m=0 s=37
